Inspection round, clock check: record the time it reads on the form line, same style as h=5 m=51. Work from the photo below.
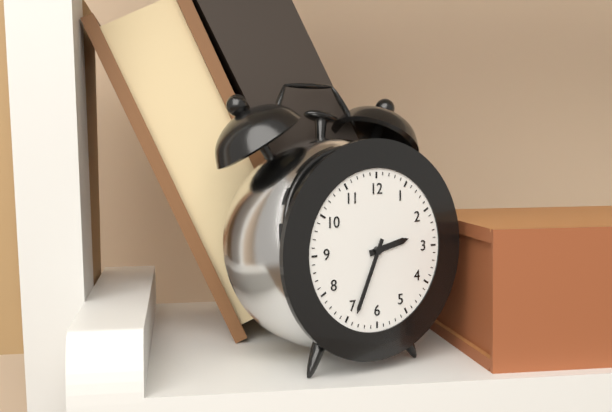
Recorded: h=2 m=34
